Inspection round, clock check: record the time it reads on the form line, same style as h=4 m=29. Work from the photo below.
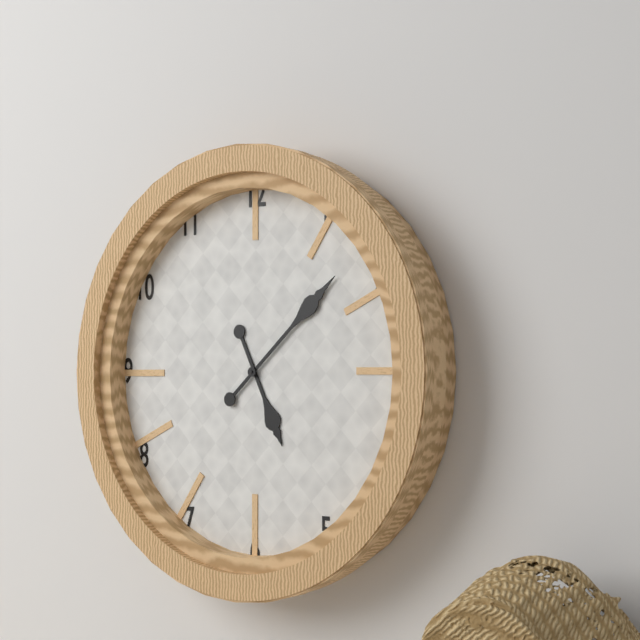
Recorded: h=5 m=8
